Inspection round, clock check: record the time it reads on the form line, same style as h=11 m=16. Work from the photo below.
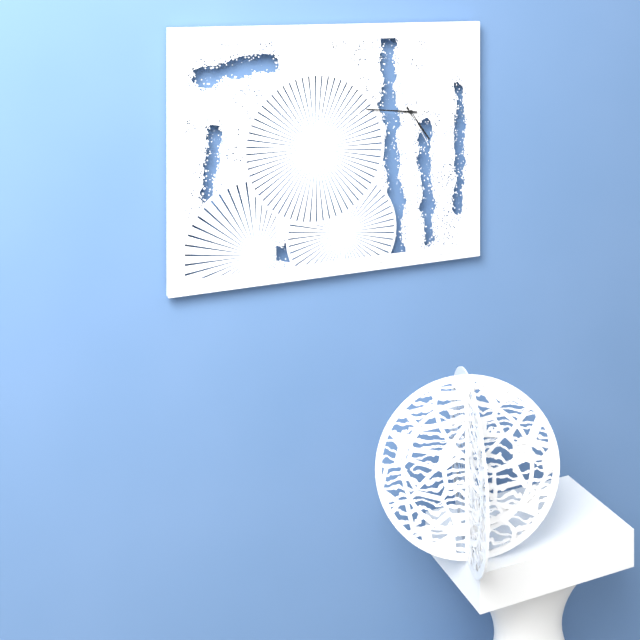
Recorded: h=4 m=46
